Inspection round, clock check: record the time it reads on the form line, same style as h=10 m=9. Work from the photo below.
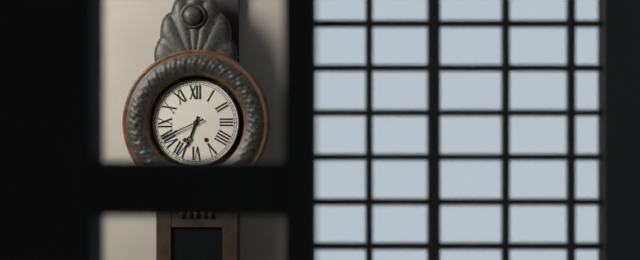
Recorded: h=6 m=41
